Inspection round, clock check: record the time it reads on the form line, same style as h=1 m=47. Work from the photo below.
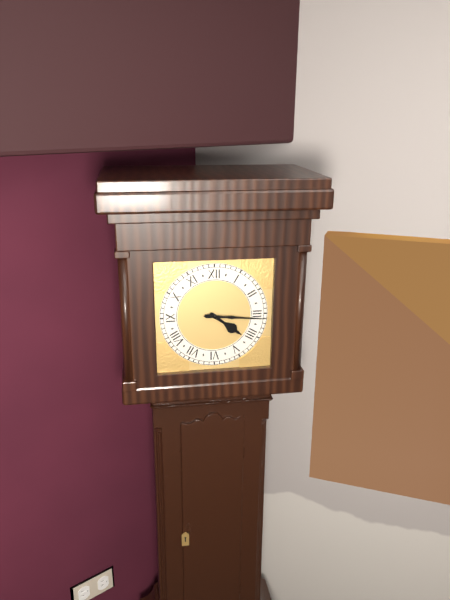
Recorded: h=4 m=16
